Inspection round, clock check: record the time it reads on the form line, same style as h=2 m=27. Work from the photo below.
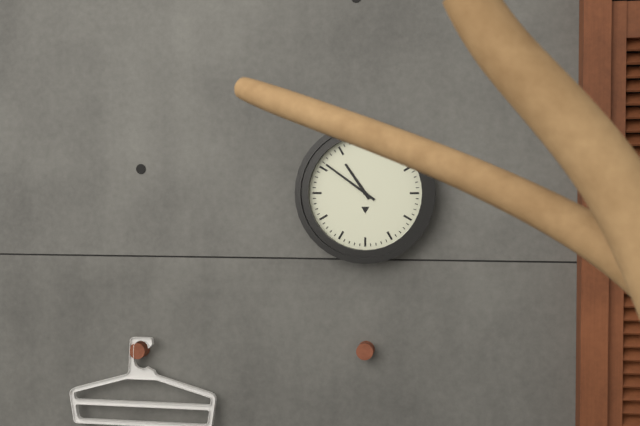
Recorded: h=10 m=51
